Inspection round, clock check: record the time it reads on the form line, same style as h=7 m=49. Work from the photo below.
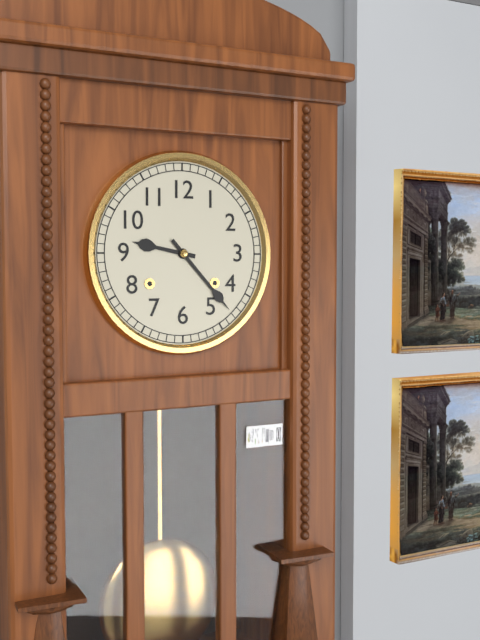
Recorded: h=9 m=23
